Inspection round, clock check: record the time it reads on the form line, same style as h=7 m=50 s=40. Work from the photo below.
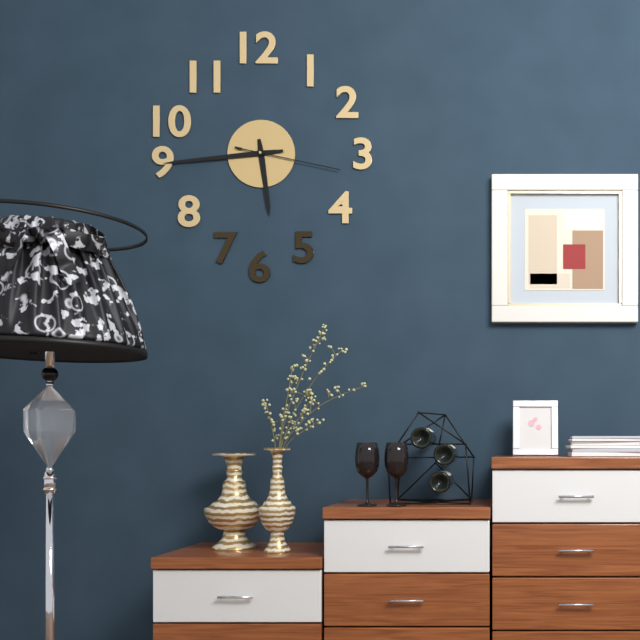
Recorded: h=5 m=44 s=17
